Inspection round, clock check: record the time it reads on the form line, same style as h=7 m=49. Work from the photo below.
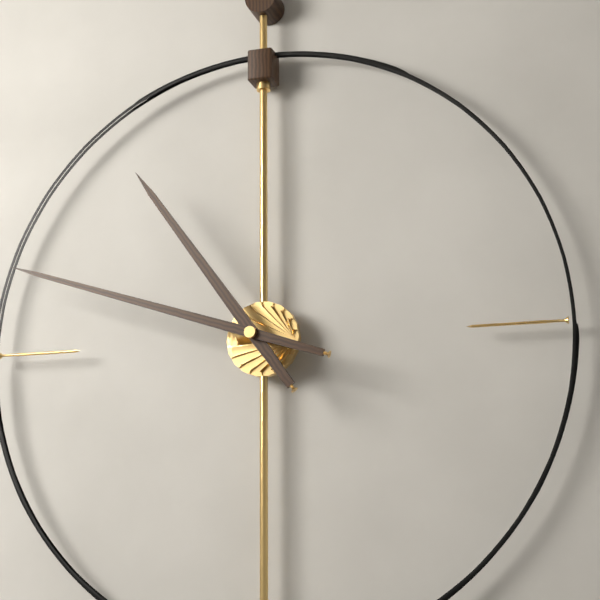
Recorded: h=10 m=48
